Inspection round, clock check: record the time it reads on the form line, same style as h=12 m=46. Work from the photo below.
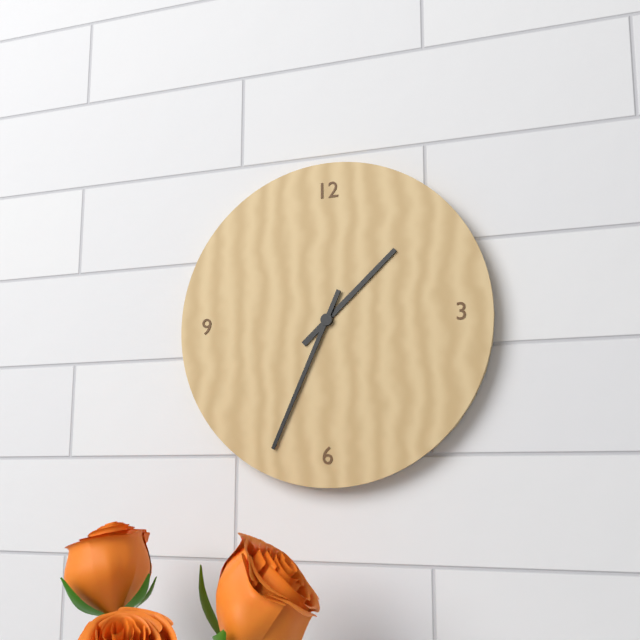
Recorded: h=1 m=34
